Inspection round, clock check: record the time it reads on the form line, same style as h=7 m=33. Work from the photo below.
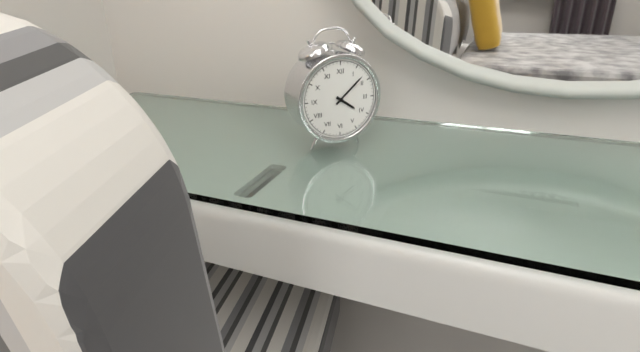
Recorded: h=4 m=8
